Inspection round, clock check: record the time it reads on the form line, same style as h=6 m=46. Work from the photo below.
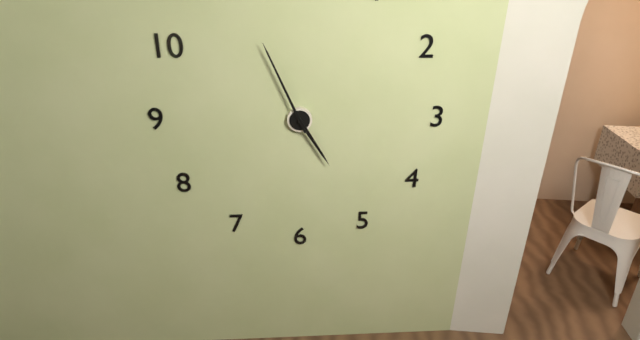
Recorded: h=4 m=56
